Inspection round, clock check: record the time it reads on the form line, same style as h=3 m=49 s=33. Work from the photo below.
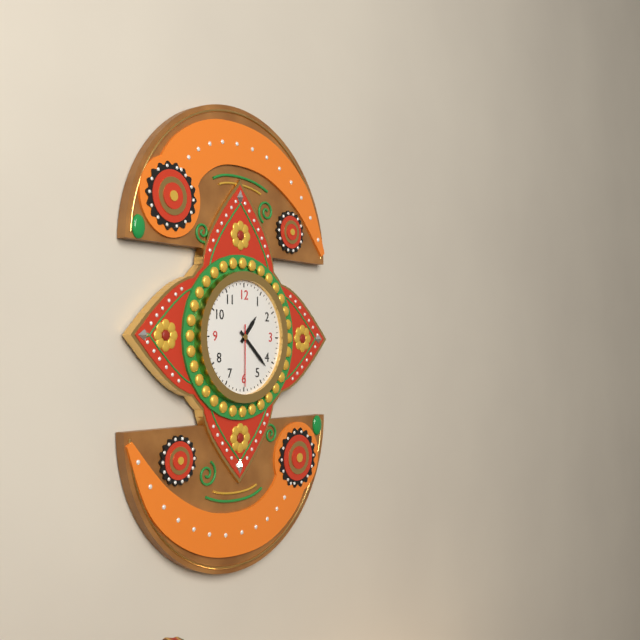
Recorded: h=1 m=22 s=30
